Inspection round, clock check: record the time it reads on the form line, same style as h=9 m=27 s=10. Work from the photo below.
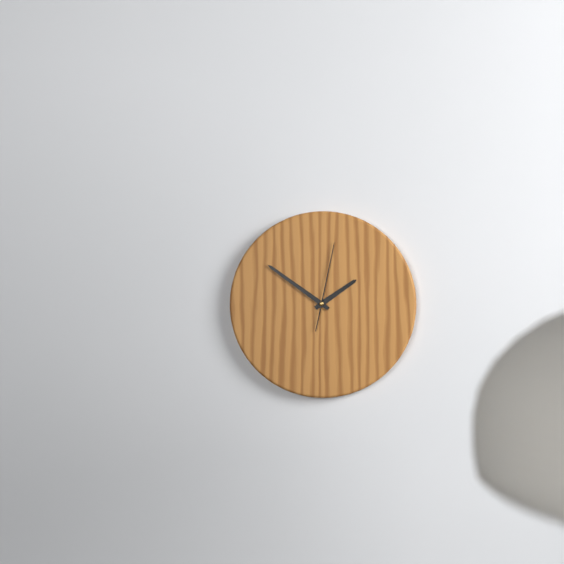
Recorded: h=1 m=51 s=2
